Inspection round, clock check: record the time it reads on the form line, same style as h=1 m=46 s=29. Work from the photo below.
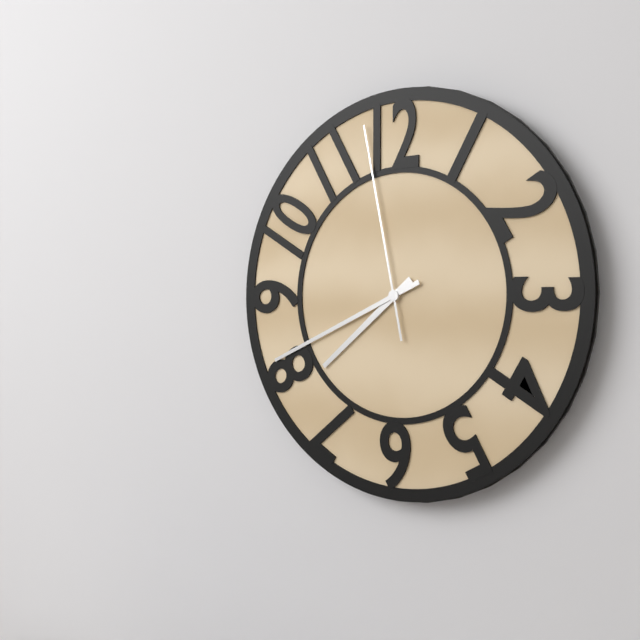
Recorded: h=7 m=41 s=58
